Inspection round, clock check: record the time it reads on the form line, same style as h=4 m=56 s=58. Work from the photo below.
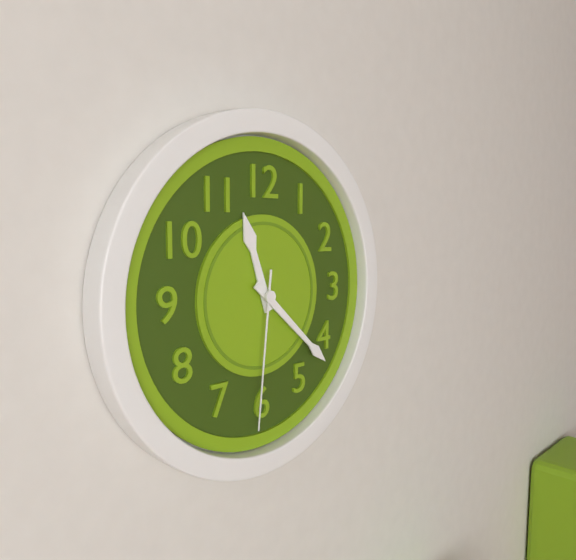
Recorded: h=11 m=22 s=31
